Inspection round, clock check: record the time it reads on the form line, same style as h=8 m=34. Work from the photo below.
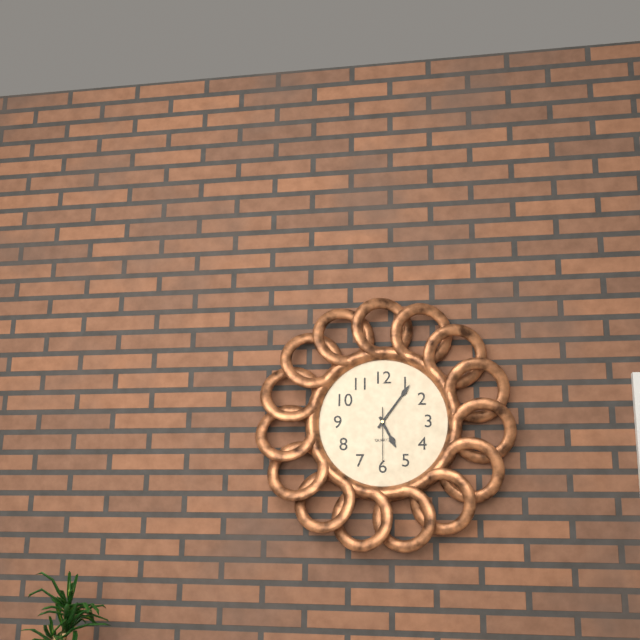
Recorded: h=5 m=6
